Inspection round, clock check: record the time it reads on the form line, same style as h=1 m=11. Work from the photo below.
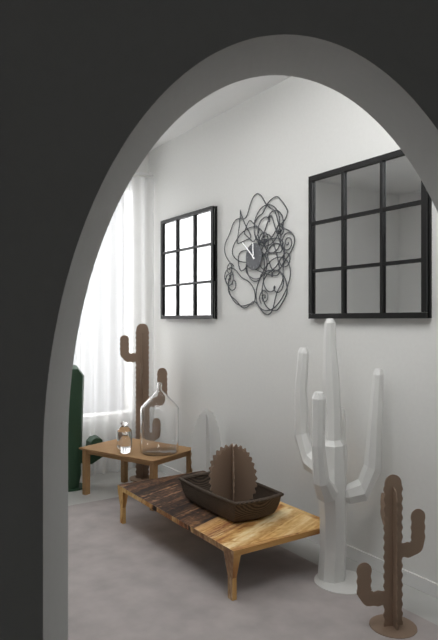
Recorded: h=11 m=52
